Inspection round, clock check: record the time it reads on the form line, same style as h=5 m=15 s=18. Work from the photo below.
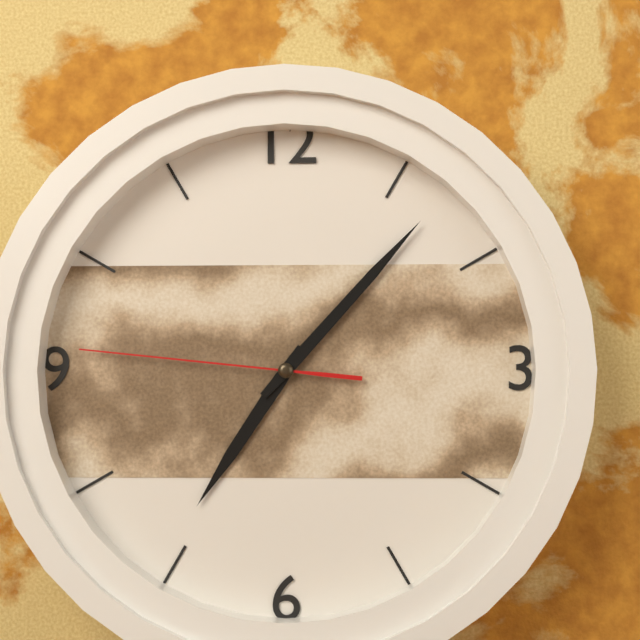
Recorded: h=7 m=7 s=46
